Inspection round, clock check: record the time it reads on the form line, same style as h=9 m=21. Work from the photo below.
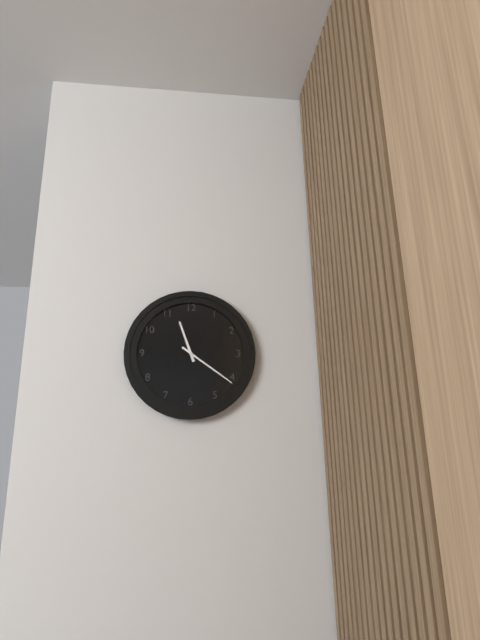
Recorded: h=11 m=21
